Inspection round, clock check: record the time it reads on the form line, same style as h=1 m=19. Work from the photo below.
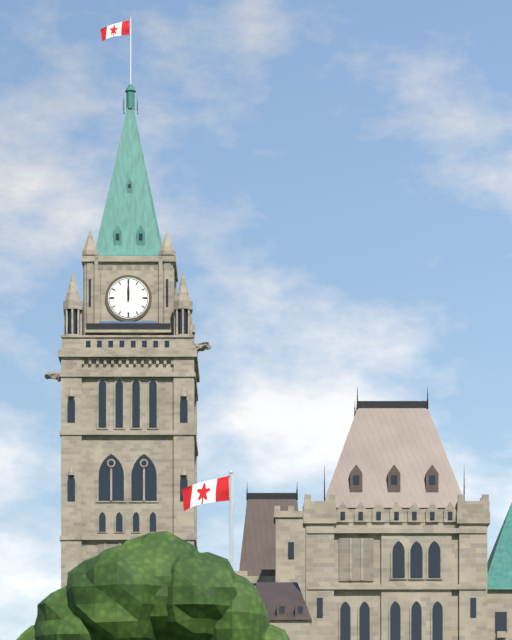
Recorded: h=12 m=0
